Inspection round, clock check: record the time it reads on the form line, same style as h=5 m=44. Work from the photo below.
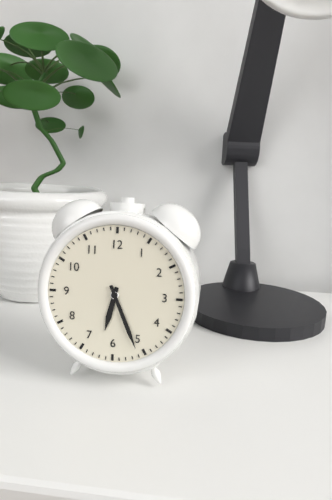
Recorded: h=6 m=26
